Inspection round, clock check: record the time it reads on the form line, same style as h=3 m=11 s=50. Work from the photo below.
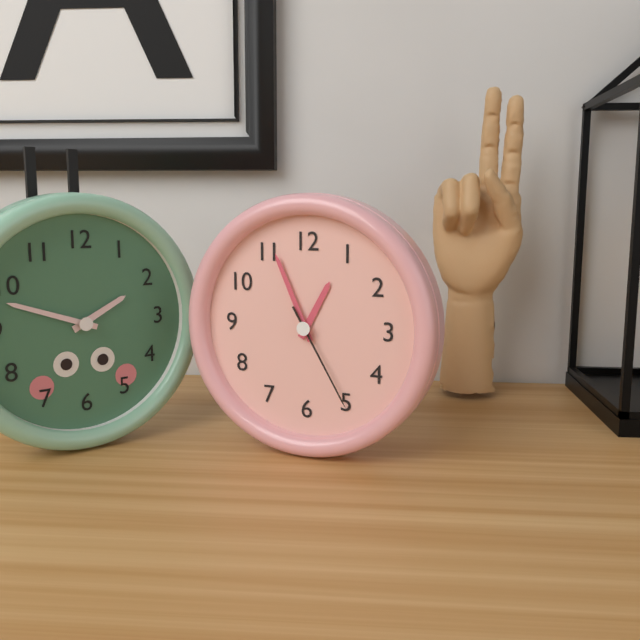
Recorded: h=12 m=56 s=25
